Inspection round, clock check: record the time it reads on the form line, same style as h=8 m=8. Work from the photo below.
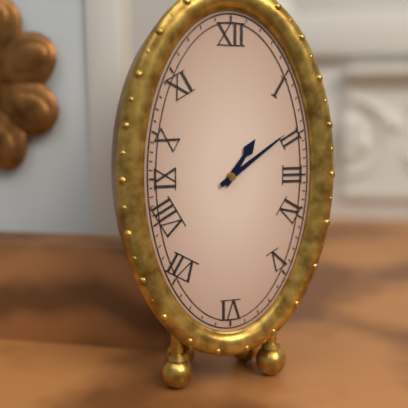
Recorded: h=1 m=9
